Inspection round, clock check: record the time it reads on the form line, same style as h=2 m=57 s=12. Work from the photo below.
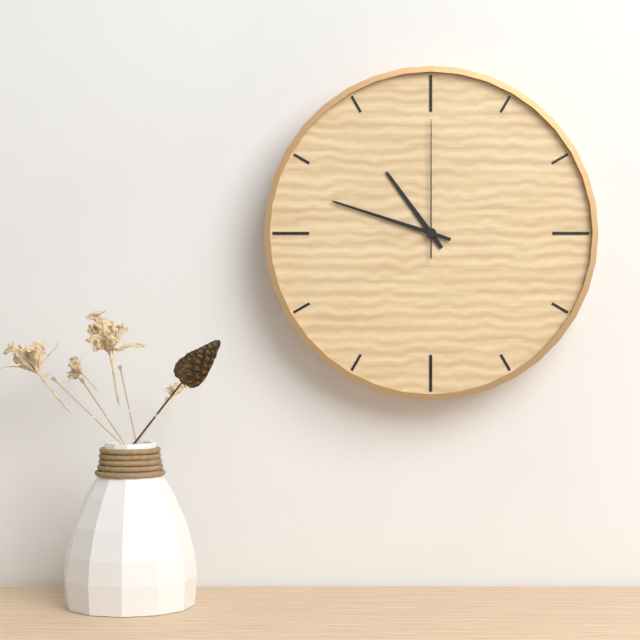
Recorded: h=10 m=48 s=0
